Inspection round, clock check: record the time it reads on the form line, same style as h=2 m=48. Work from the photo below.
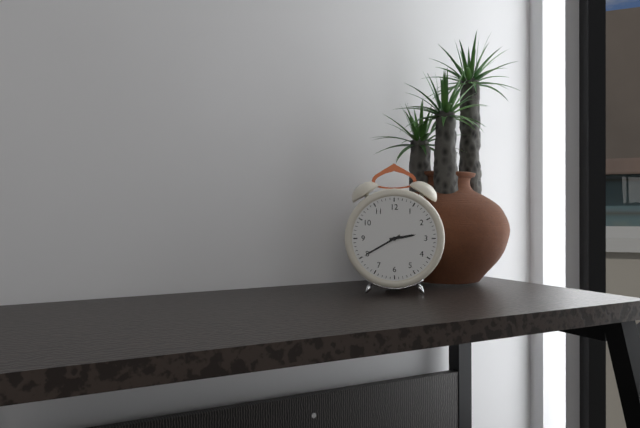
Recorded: h=2 m=40
